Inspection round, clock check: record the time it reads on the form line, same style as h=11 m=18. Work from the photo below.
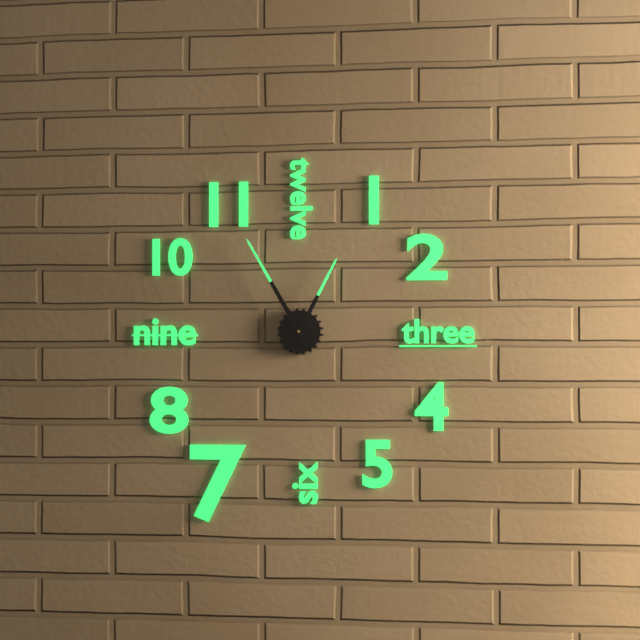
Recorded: h=12 m=55
